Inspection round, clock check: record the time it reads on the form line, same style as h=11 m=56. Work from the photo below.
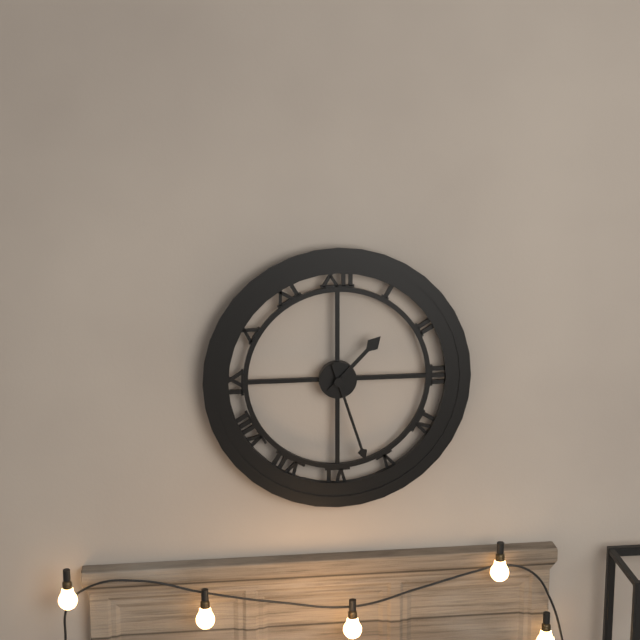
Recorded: h=1 m=27
